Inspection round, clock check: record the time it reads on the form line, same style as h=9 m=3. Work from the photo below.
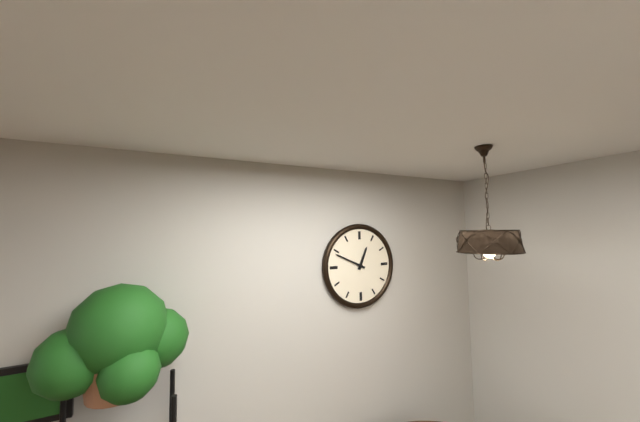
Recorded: h=12 m=49
